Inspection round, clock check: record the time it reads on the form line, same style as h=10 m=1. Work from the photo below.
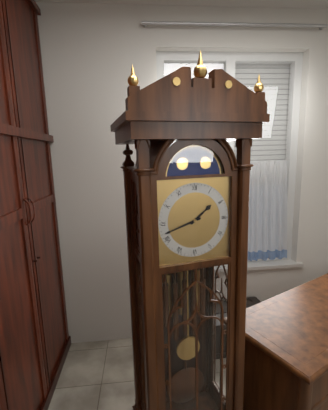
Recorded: h=1 m=42
